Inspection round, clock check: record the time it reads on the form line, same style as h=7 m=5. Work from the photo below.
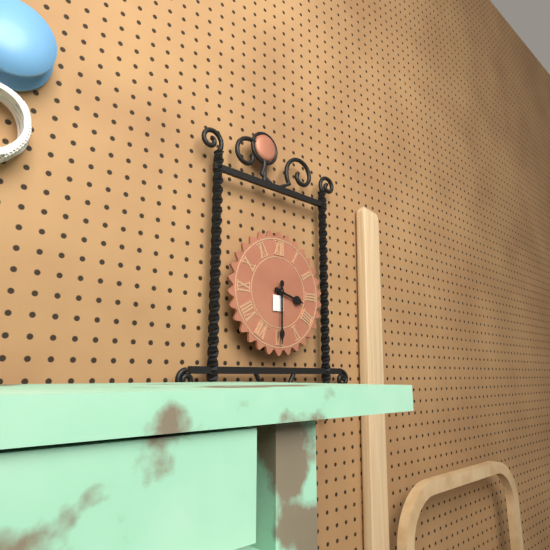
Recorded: h=3 m=30
